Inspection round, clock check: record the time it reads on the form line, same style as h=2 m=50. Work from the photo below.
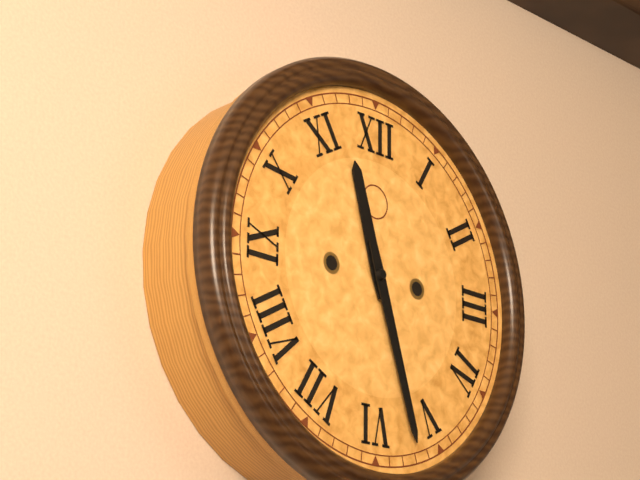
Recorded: h=11 m=27
